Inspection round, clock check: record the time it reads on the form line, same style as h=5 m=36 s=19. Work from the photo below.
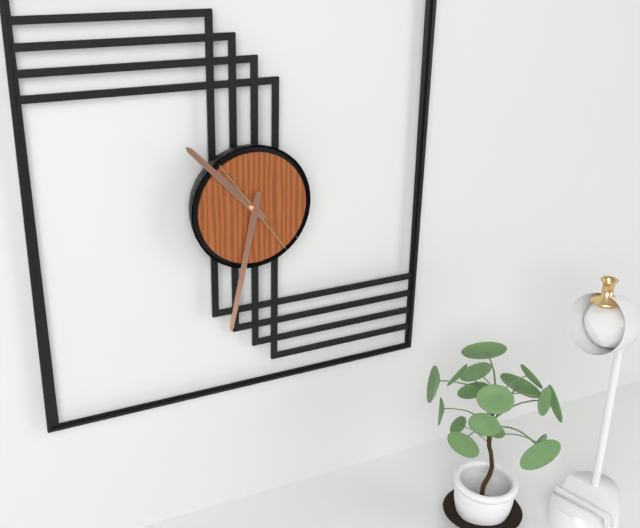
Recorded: h=10 m=32 s=54
